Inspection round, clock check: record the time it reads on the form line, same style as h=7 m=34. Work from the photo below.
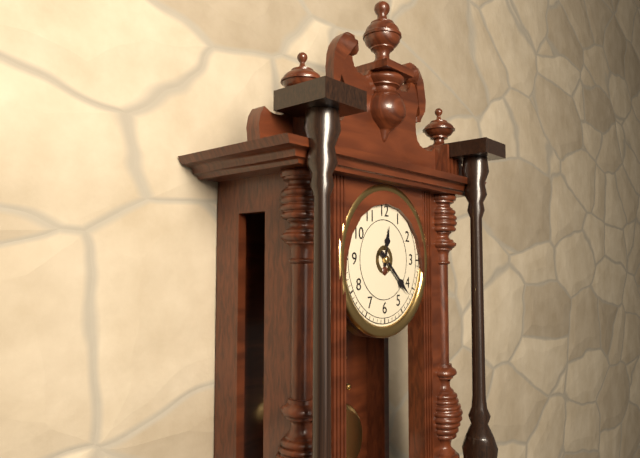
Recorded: h=12 m=22
